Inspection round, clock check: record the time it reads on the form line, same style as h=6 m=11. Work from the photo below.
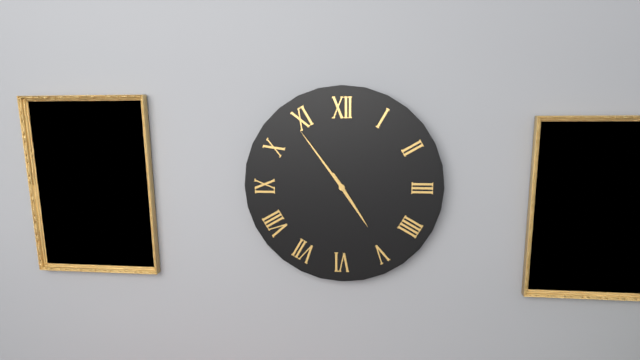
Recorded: h=4 m=54
